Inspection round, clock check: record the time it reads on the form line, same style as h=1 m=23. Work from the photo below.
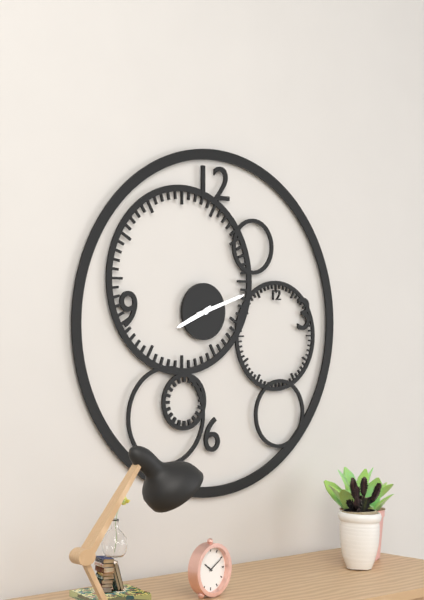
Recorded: h=8 m=12
